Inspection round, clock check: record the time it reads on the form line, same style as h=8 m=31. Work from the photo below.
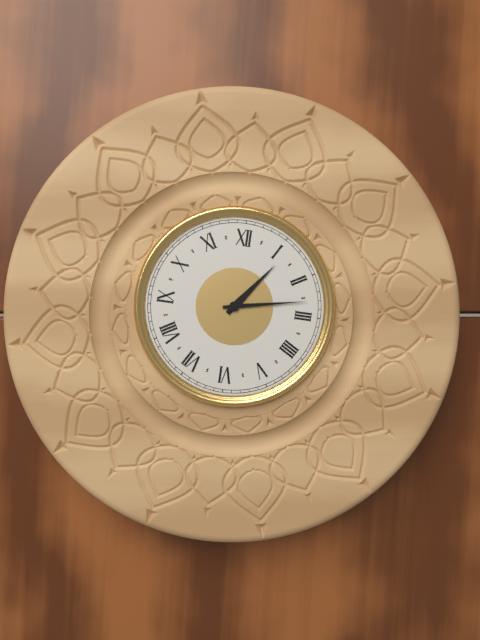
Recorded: h=1 m=13
